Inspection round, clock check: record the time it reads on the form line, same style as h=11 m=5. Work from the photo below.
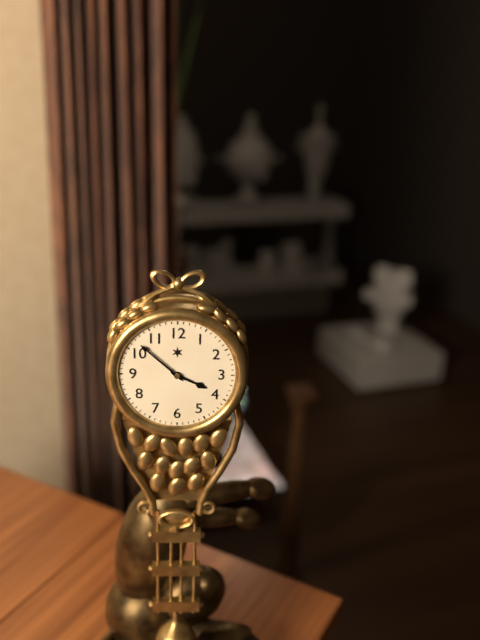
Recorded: h=3 m=52
